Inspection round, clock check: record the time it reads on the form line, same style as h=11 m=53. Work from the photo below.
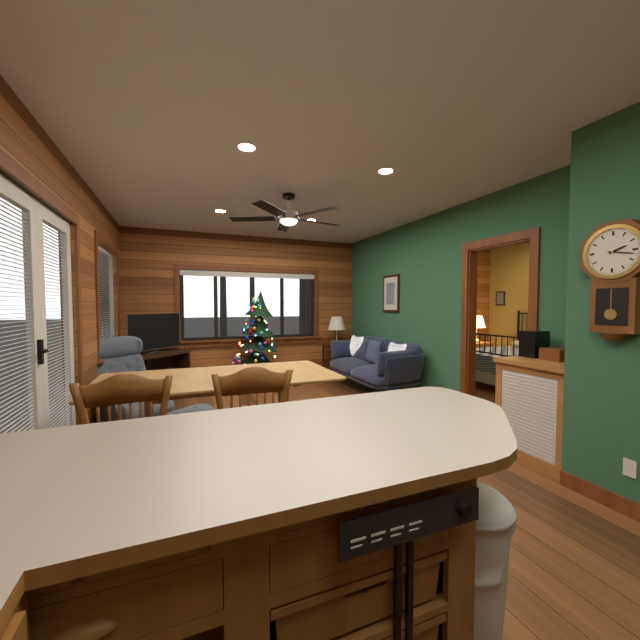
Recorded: h=2 m=17
